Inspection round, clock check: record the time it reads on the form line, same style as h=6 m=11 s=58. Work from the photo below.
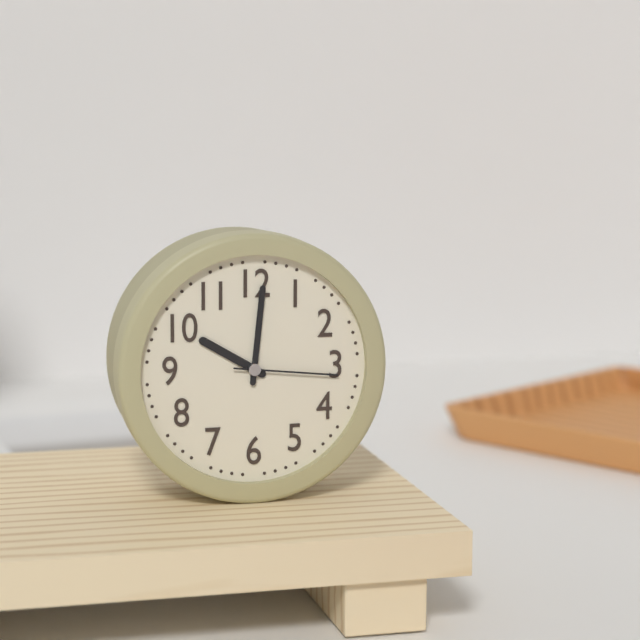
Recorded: h=10 m=1 s=16
